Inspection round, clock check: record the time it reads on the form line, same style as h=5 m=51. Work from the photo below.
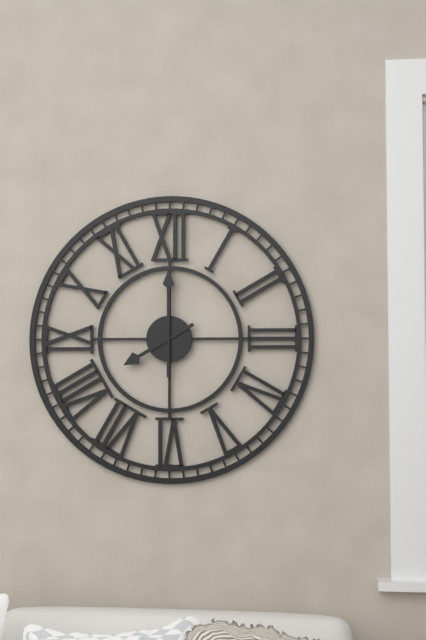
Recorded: h=8 m=0
